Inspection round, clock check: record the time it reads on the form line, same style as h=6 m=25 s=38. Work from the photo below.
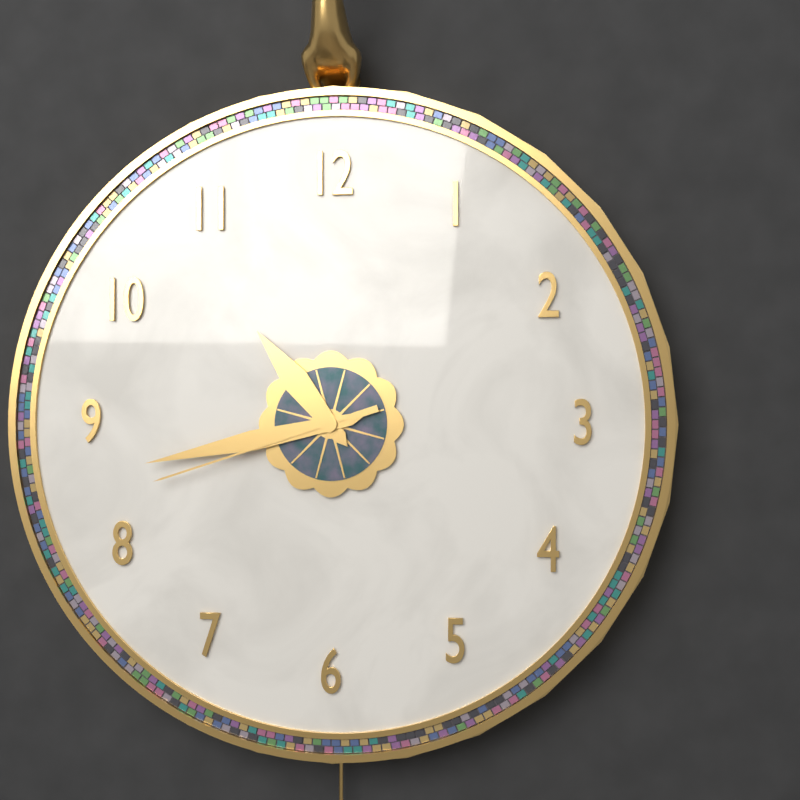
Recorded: h=10 m=43 s=42
